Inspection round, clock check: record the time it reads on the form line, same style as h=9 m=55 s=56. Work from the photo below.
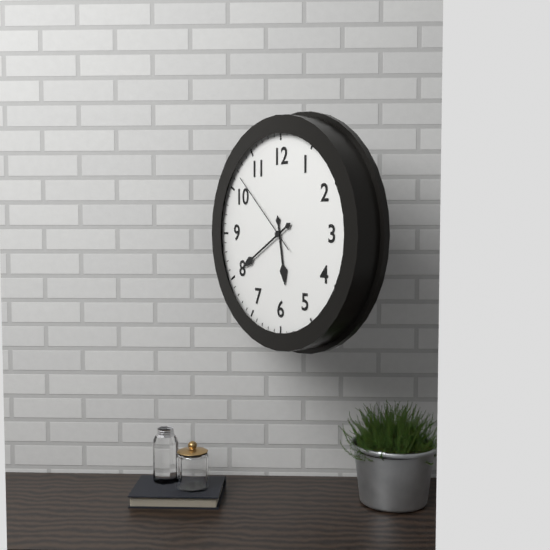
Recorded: h=5 m=40 s=52
